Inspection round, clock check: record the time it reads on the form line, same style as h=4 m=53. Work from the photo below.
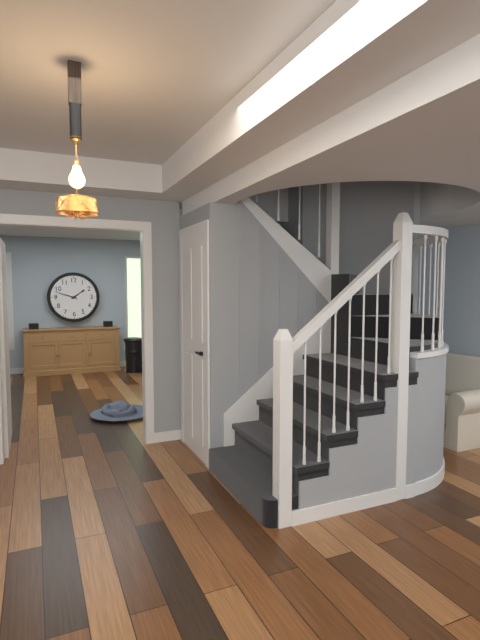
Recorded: h=1 m=48
